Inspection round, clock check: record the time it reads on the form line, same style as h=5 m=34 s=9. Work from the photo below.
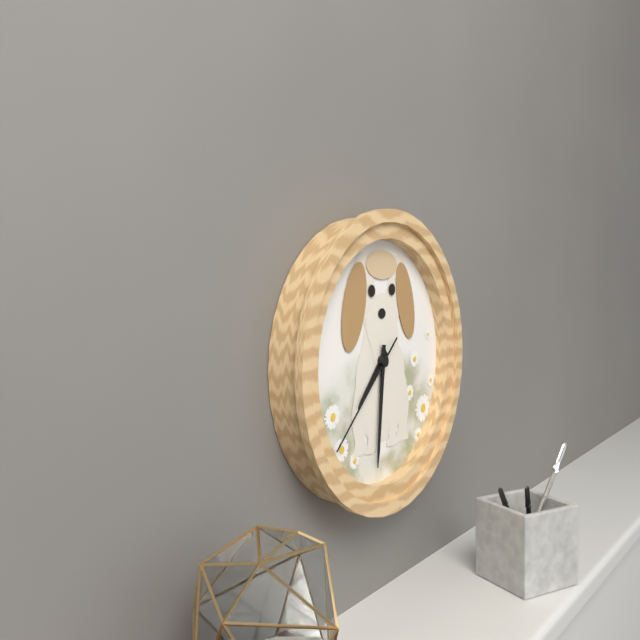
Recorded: h=7 m=31 s=38
